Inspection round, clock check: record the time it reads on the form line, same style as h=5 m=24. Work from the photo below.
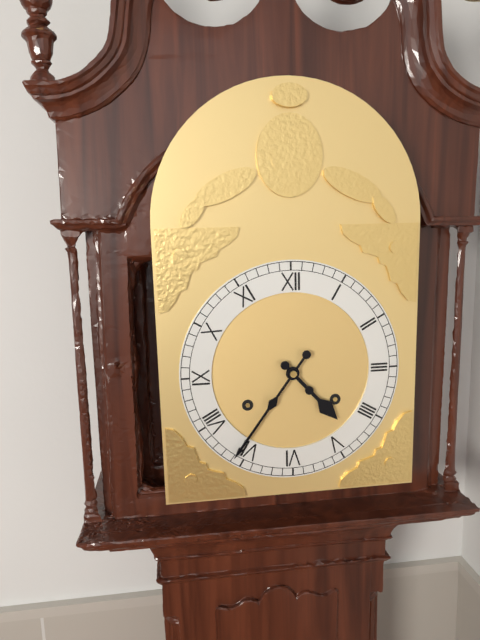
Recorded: h=4 m=36
